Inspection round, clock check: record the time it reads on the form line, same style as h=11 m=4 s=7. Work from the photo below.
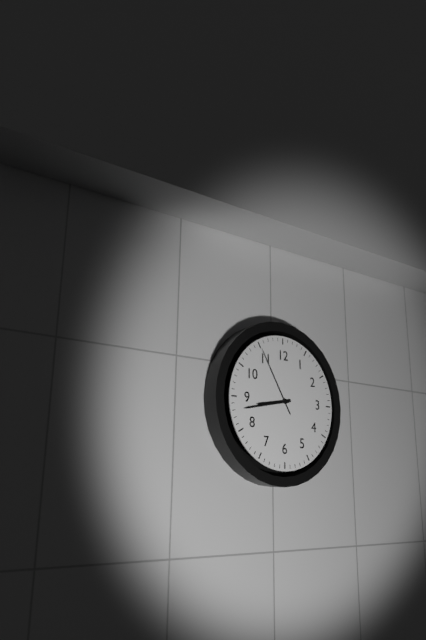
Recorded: h=8 m=43 s=55
